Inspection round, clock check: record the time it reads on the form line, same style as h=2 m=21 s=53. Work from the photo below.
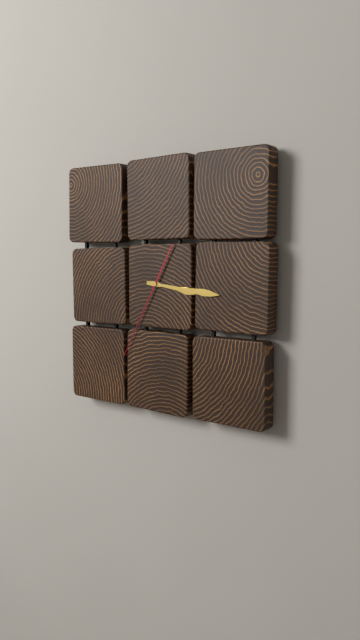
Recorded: h=3 m=16 s=35
